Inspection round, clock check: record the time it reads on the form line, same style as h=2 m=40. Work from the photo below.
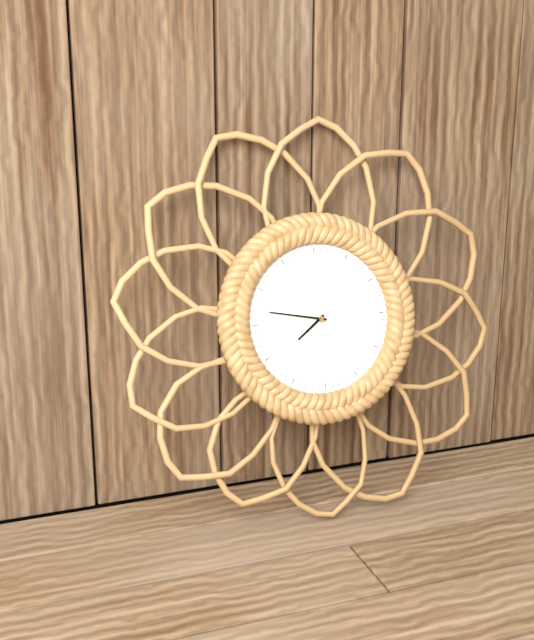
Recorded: h=7 m=47
